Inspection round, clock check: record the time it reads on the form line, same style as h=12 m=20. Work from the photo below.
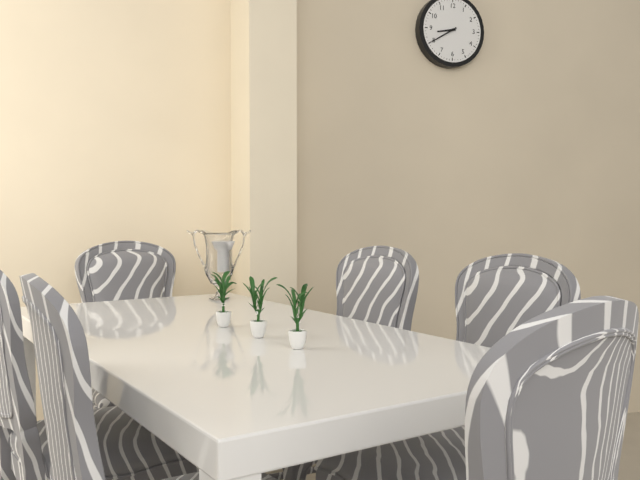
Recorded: h=8 m=40
